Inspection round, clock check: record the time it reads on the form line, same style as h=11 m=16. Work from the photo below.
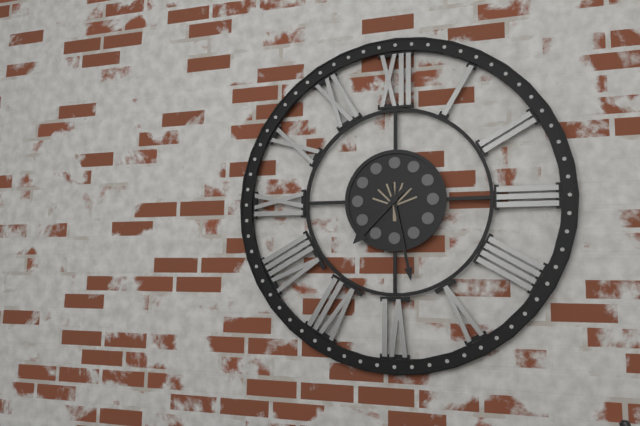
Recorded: h=7 m=28
